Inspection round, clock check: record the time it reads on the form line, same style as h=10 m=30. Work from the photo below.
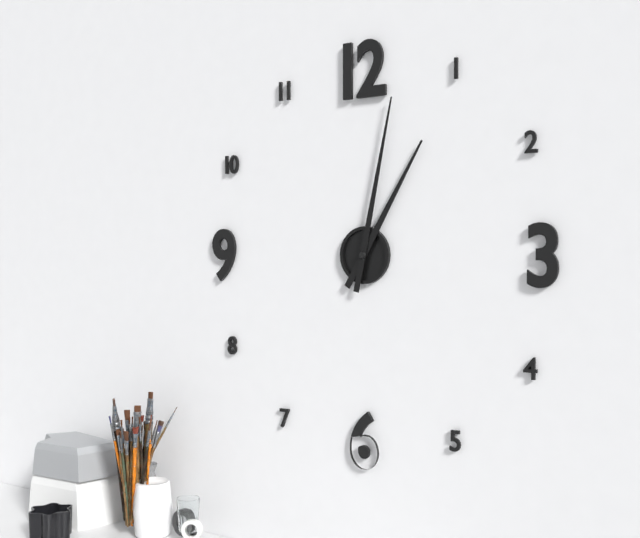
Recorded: h=1 m=2
